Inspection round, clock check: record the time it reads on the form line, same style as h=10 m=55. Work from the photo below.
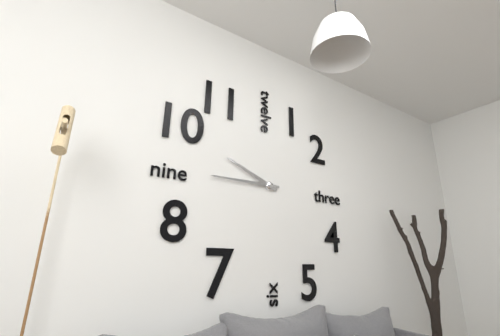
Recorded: h=9 m=45
